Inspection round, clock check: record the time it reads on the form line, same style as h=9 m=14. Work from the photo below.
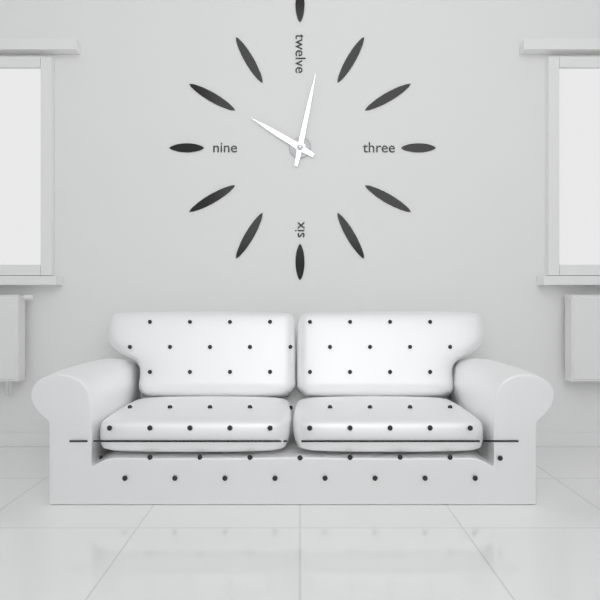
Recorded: h=10 m=2
